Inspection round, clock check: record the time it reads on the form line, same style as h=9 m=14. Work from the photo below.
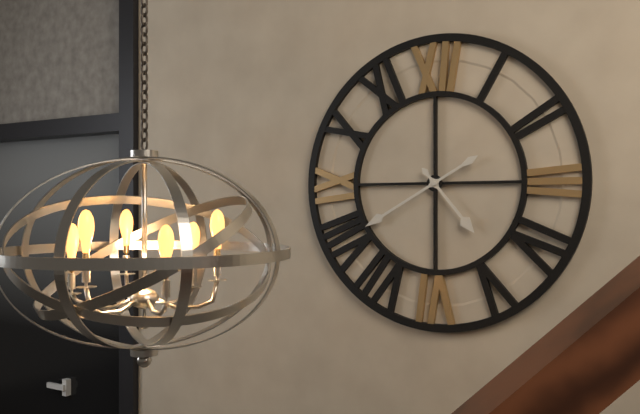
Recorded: h=4 m=40
